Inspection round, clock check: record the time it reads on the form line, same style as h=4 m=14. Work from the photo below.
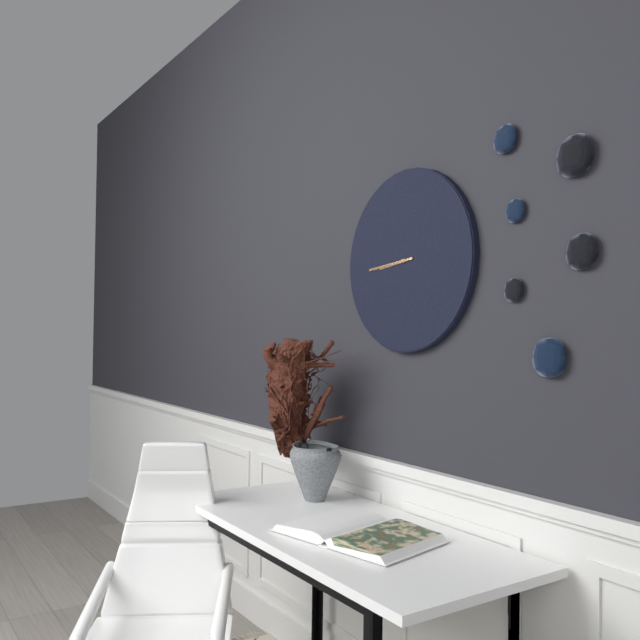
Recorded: h=8 m=44
